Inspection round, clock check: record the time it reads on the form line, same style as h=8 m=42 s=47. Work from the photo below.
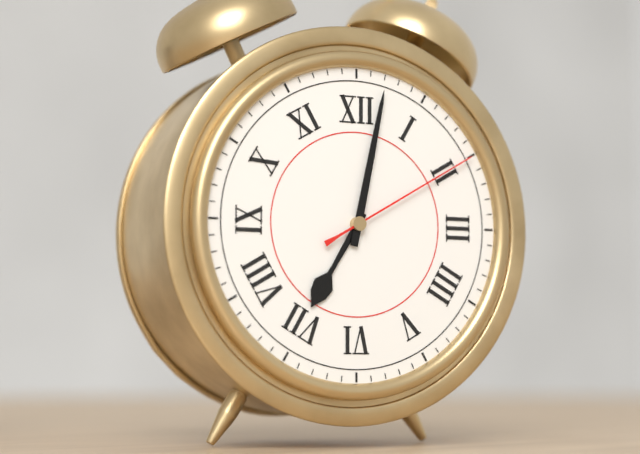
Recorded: h=7 m=2 s=10
